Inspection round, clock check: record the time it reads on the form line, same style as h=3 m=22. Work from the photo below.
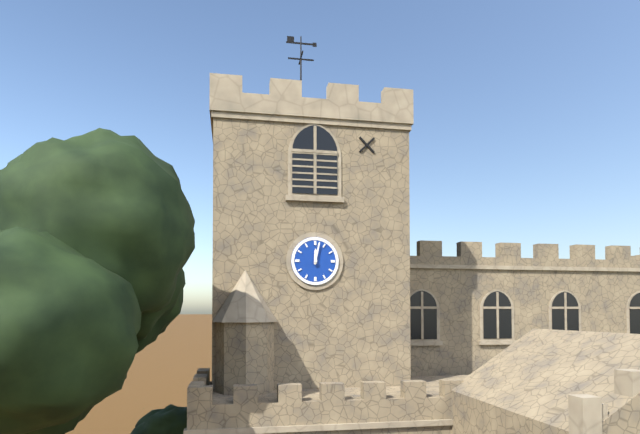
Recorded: h=12 m=2
